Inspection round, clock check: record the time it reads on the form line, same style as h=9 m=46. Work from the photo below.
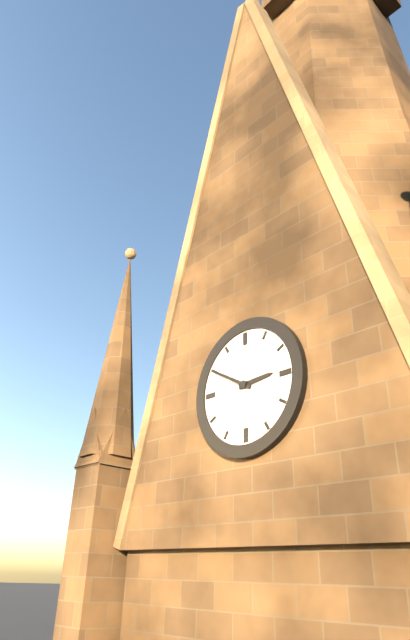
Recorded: h=2 m=50
